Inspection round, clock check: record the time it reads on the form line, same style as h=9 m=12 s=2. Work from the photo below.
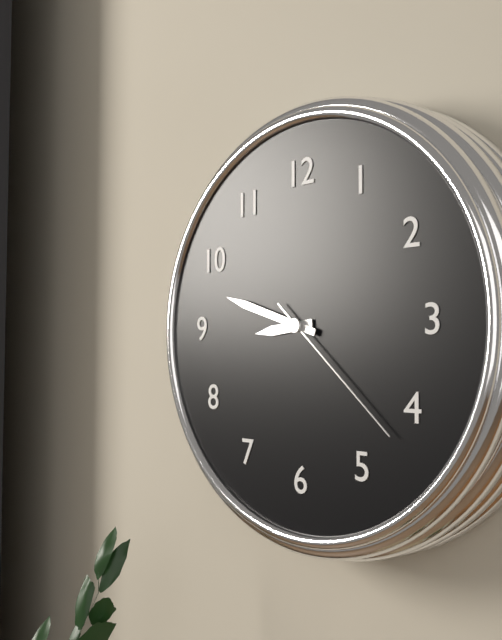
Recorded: h=8 m=48 s=22
